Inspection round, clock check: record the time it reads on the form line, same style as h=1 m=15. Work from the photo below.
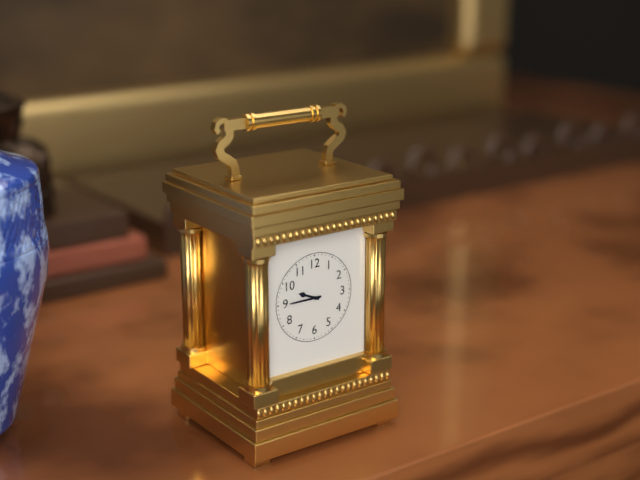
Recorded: h=9 m=45
